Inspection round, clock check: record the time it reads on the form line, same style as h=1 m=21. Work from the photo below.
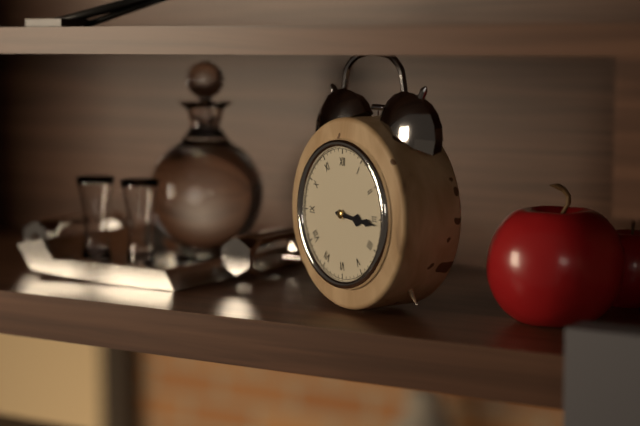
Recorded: h=3 m=16
